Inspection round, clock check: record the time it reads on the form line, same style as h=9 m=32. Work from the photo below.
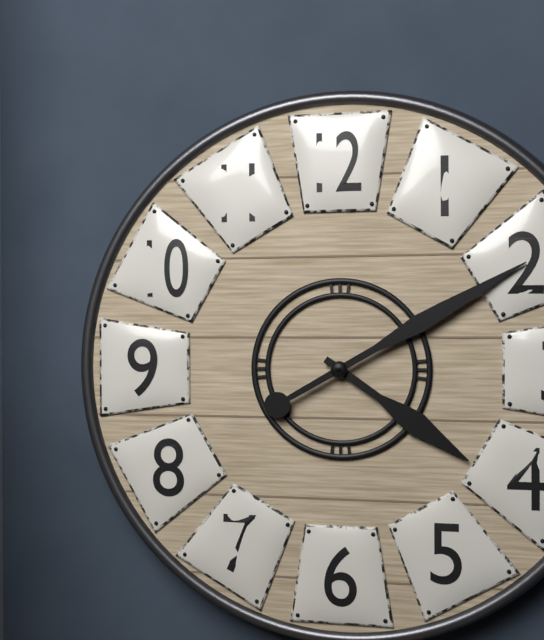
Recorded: h=4 m=10
